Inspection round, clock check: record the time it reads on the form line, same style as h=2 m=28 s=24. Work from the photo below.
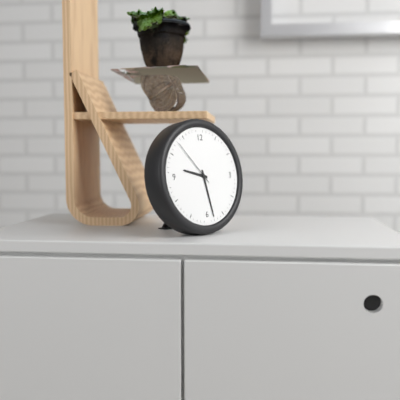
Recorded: h=9 m=28 s=53
